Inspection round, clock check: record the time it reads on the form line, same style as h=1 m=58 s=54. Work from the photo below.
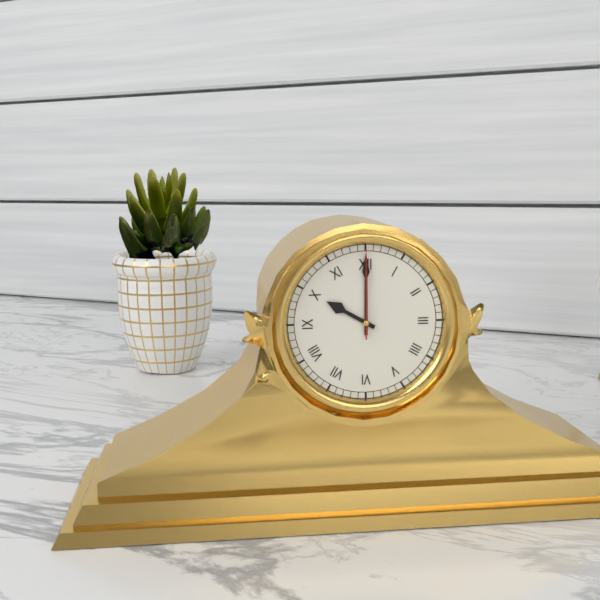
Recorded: h=10 m=0 s=0
